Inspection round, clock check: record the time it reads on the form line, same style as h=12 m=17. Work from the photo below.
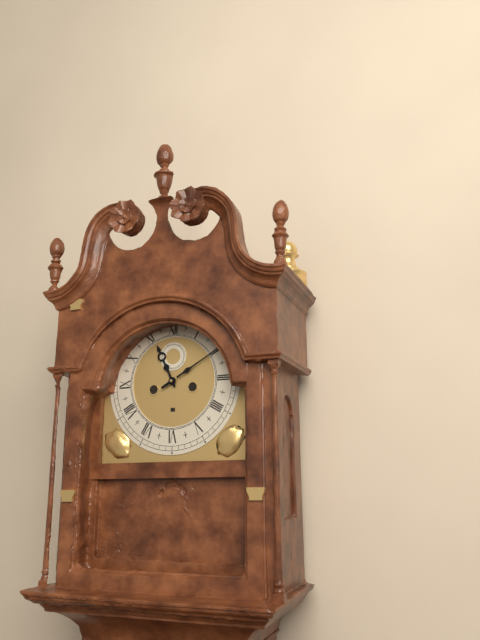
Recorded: h=11 m=10
